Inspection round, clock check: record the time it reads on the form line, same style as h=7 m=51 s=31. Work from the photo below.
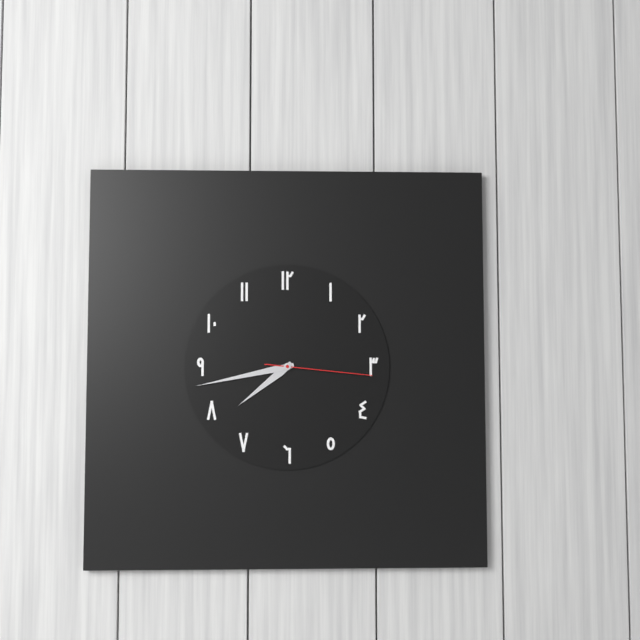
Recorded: h=7 m=43 s=16
